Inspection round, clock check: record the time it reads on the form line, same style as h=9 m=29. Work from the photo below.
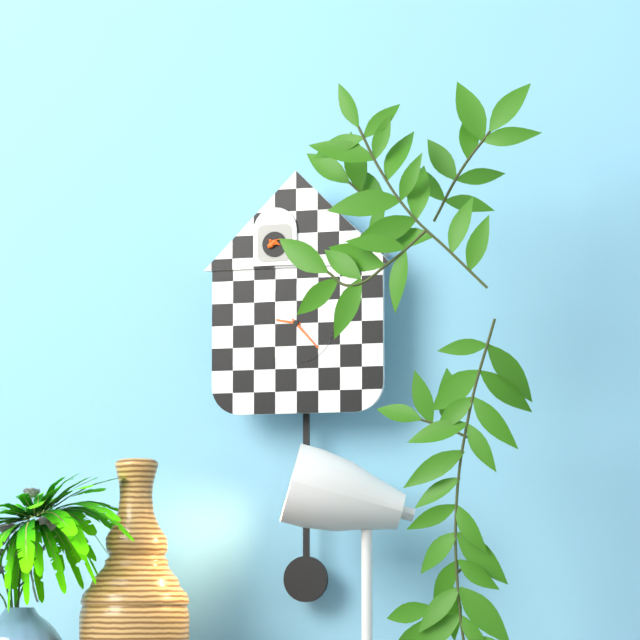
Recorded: h=9 m=23
